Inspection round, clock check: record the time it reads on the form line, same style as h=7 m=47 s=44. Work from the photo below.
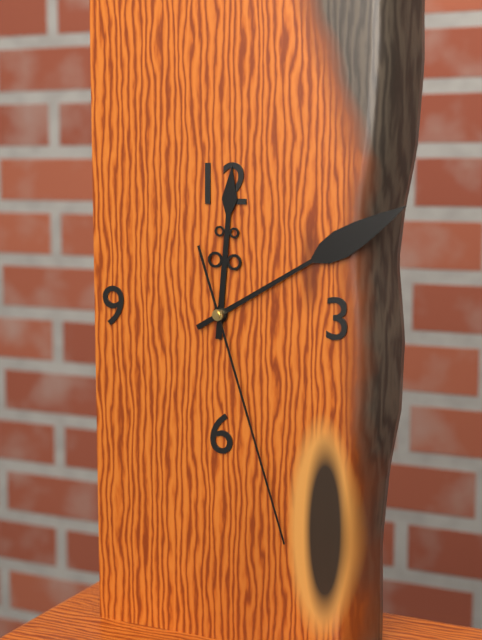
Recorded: h=12 m=10 s=27
